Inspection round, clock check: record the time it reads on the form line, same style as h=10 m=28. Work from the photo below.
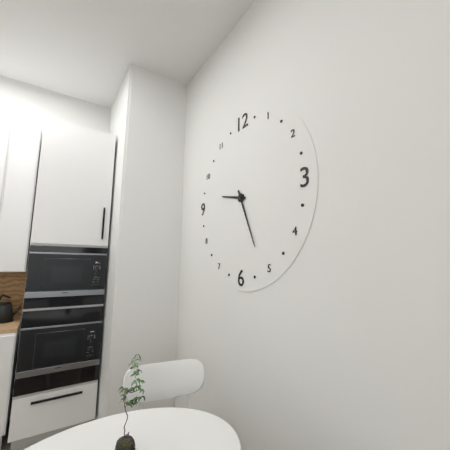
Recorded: h=9 m=26
